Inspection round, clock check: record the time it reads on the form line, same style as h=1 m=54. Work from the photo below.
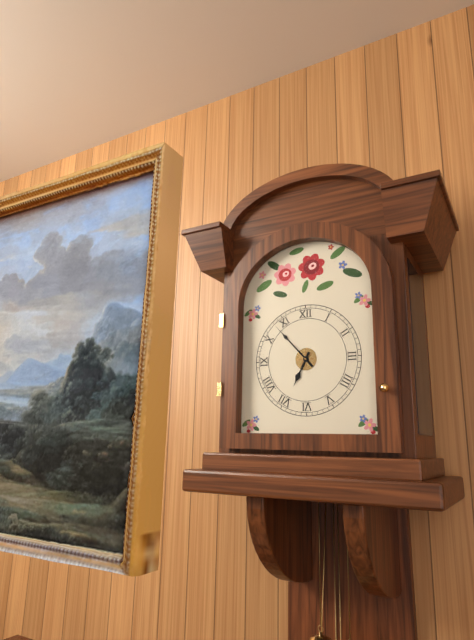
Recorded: h=6 m=53
